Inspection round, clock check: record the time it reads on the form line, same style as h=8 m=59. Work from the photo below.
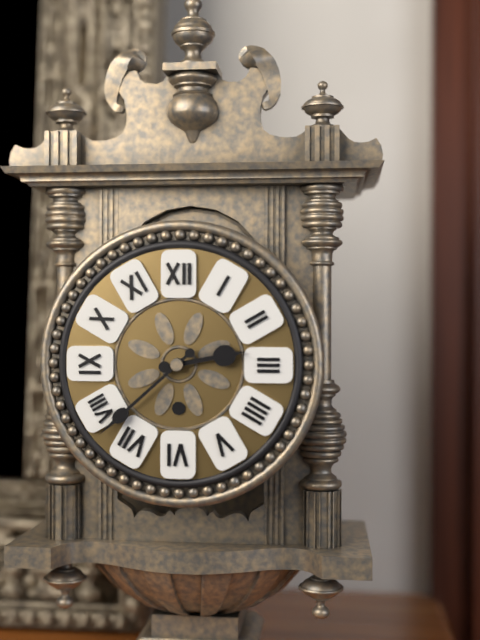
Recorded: h=2 m=38
